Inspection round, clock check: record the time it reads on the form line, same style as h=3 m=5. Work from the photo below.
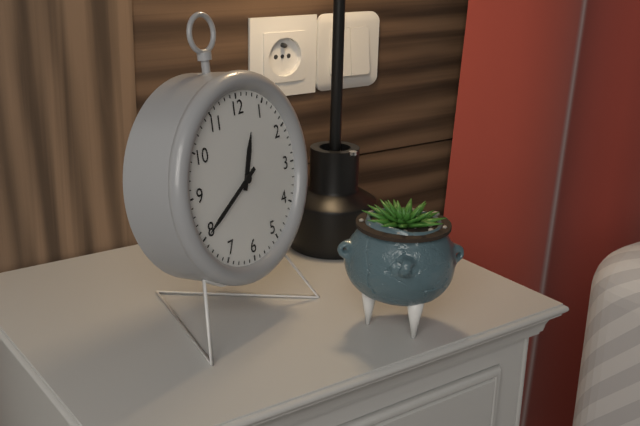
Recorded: h=12 m=40
